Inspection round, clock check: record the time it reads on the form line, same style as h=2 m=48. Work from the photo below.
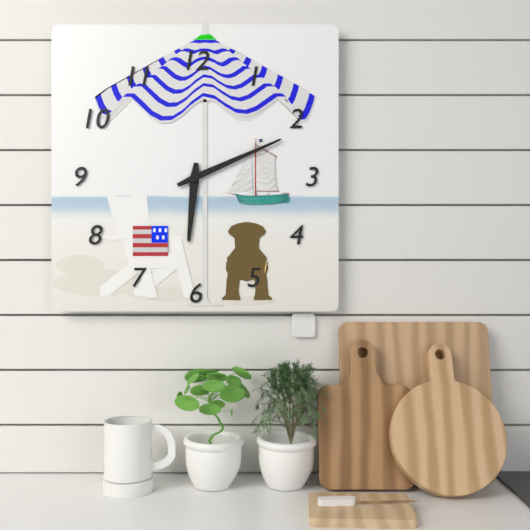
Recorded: h=6 m=11
